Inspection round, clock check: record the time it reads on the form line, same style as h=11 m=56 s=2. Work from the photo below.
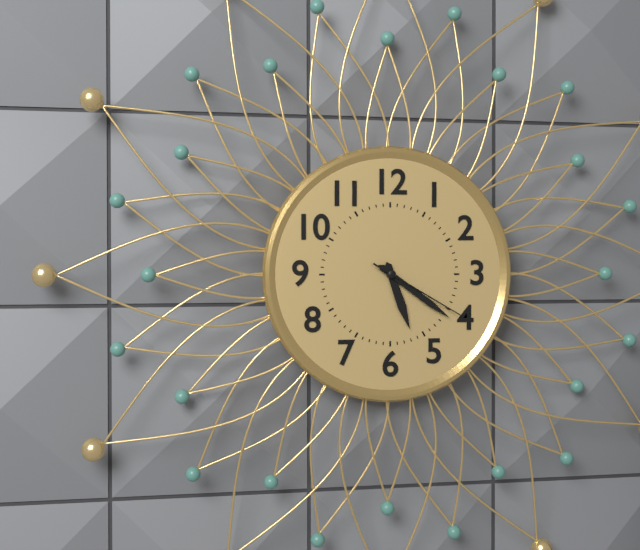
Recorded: h=5 m=21 s=20
